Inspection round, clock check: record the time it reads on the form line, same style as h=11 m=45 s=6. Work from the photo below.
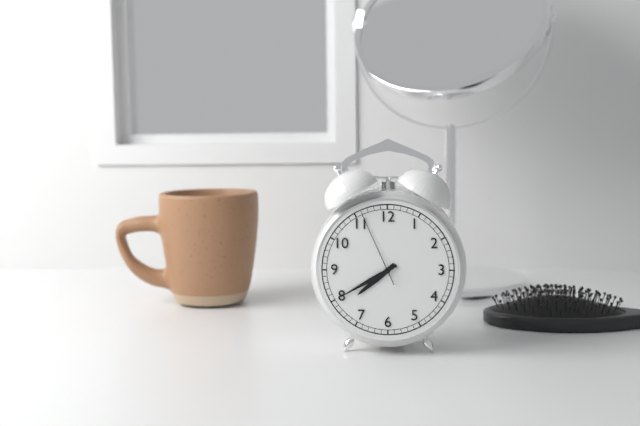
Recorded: h=7 m=40 s=56
